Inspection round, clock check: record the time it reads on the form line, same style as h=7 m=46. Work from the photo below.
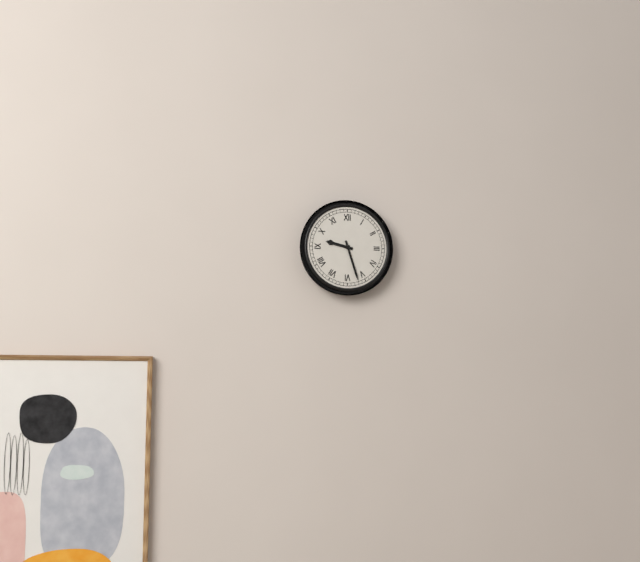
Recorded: h=9 m=27
